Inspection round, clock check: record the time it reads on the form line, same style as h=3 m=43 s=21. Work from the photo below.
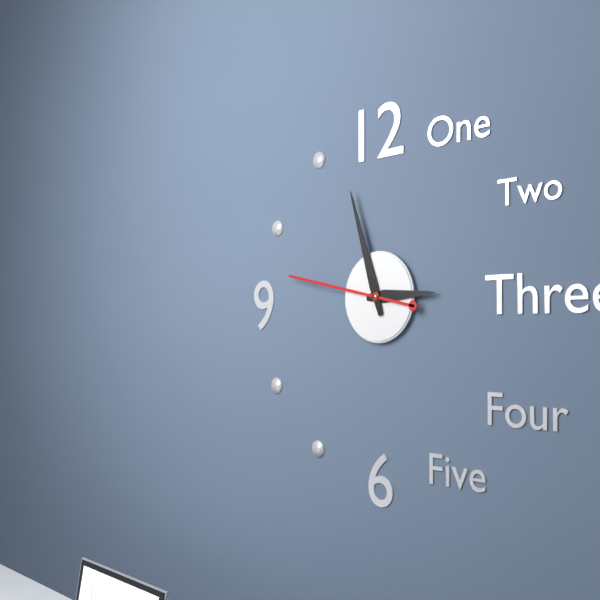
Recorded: h=2 m=57 s=47
